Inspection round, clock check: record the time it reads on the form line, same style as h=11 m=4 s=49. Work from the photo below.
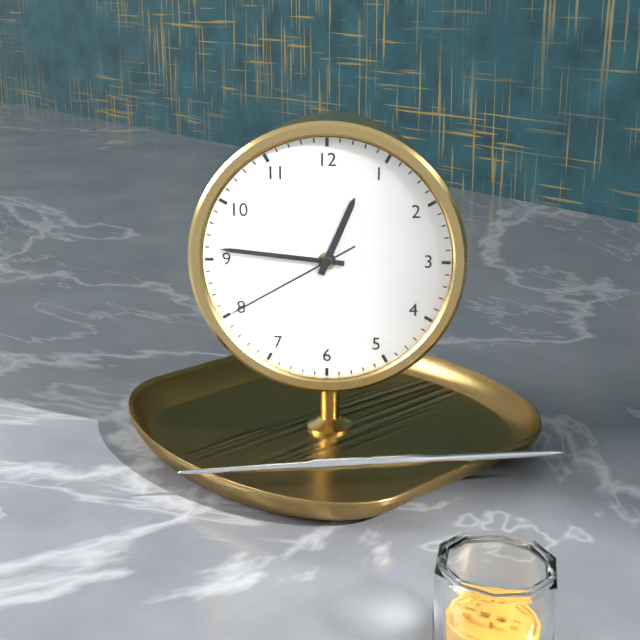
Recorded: h=12 m=46 s=40
